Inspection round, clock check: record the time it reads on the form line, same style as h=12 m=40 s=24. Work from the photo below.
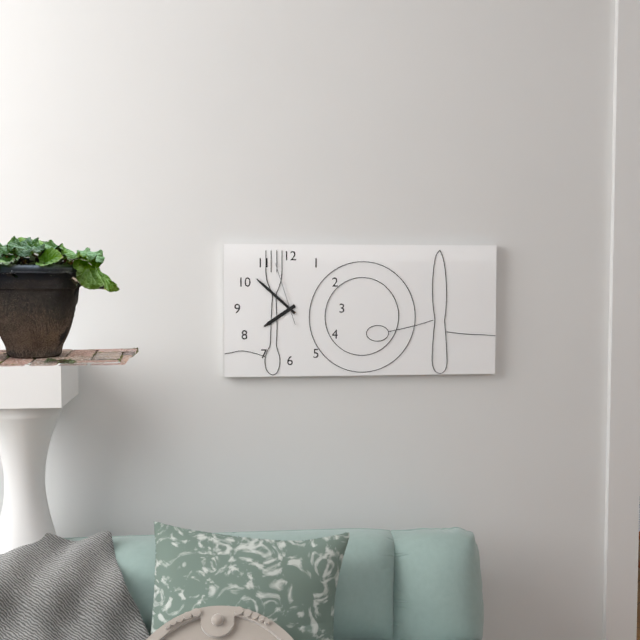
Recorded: h=7 m=52 s=57
